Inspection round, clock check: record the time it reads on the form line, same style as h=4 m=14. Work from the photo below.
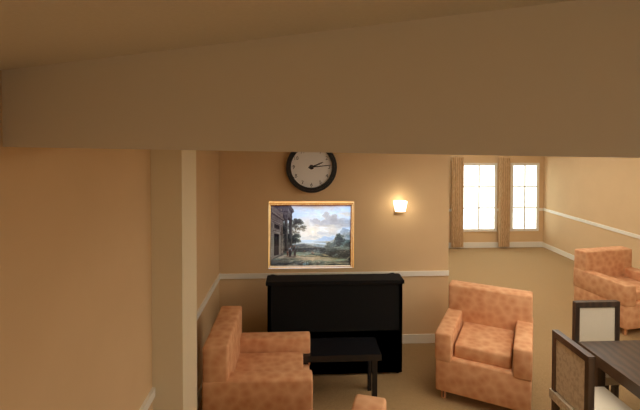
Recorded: h=2 m=14
